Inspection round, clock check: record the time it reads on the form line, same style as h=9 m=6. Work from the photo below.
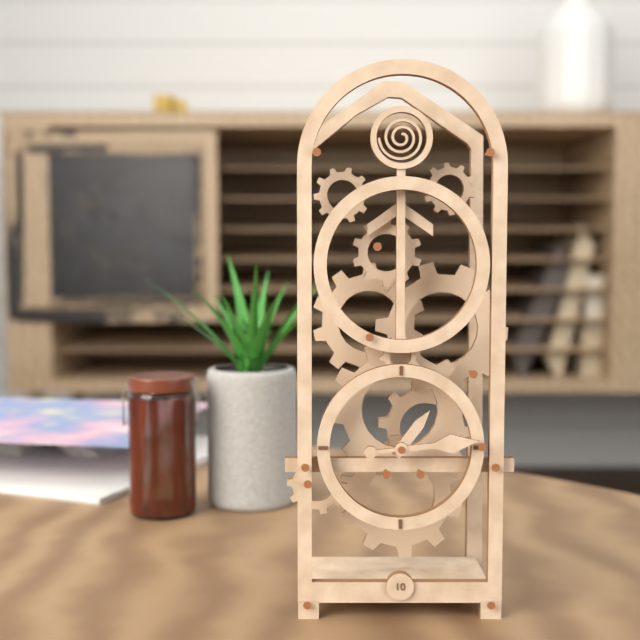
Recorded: h=1 m=14
